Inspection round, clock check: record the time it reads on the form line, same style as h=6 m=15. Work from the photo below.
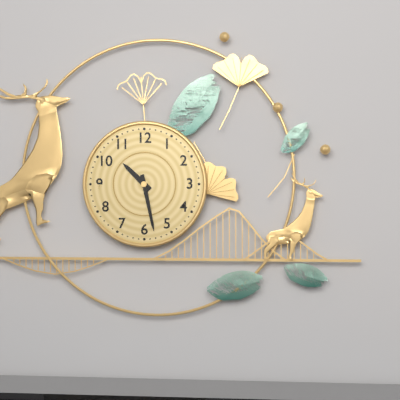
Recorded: h=10 m=28
